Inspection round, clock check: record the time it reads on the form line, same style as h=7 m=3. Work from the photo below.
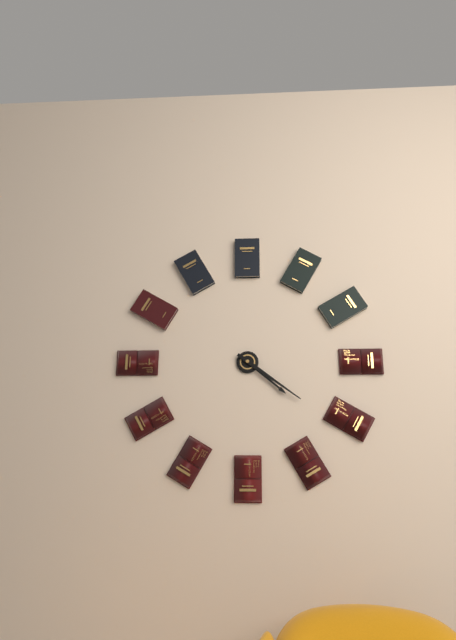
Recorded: h=4 m=21
